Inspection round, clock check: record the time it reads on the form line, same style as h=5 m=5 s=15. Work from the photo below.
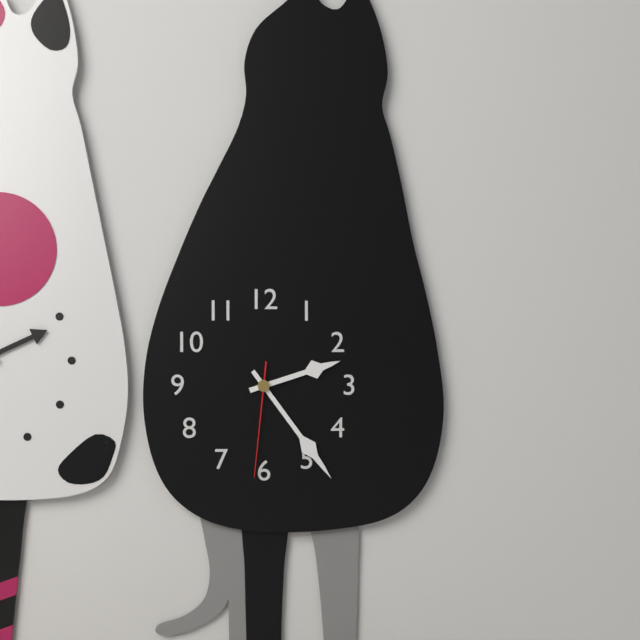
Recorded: h=2 m=24 s=31
